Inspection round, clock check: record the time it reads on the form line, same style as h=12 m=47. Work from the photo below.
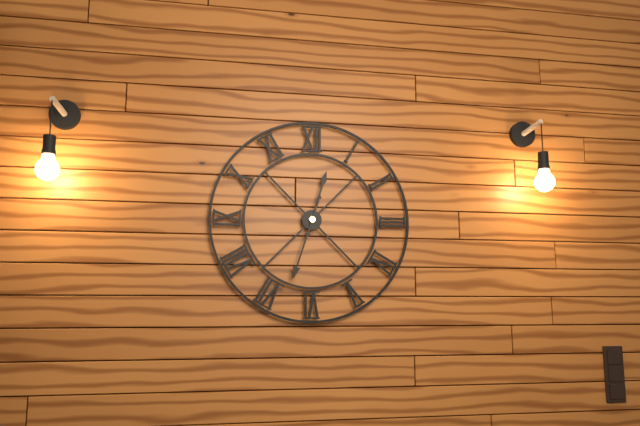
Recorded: h=12 m=33
